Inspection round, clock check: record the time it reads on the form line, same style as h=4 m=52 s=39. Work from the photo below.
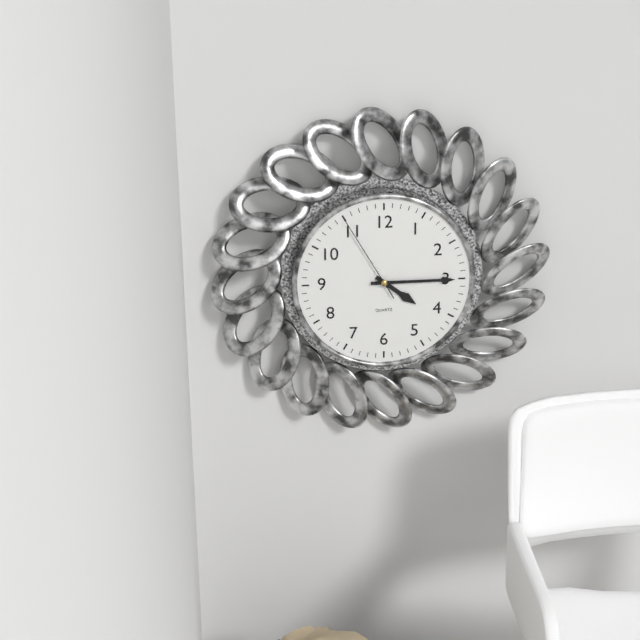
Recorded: h=4 m=15 s=55
